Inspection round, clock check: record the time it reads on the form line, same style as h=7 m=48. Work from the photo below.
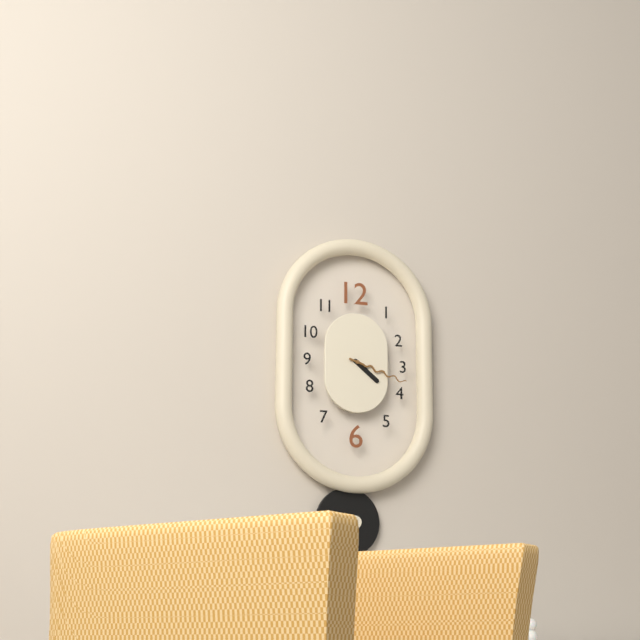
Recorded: h=4 m=18
